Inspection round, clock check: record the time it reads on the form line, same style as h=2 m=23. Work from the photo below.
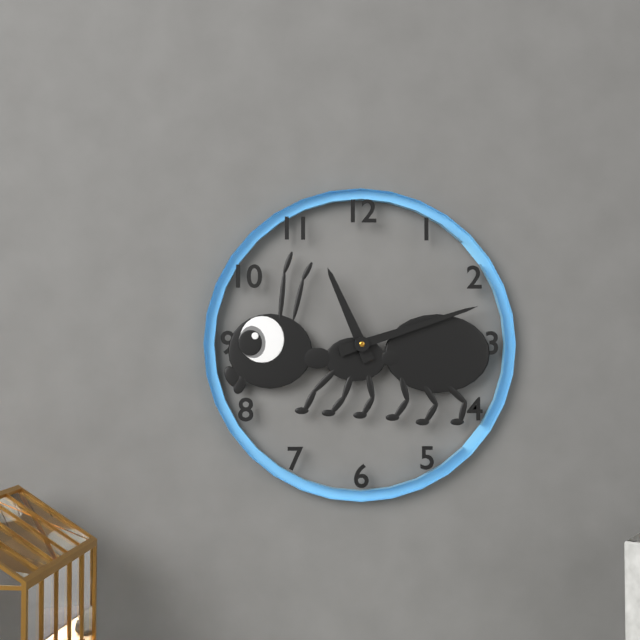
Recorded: h=11 m=12
